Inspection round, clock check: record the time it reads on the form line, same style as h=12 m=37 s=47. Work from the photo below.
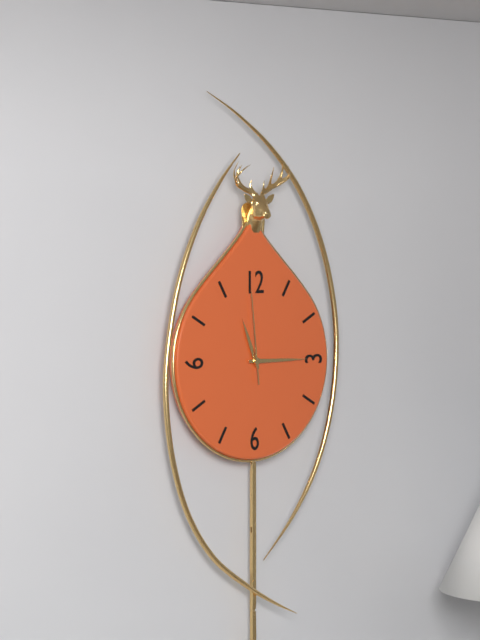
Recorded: h=11 m=15 s=59
